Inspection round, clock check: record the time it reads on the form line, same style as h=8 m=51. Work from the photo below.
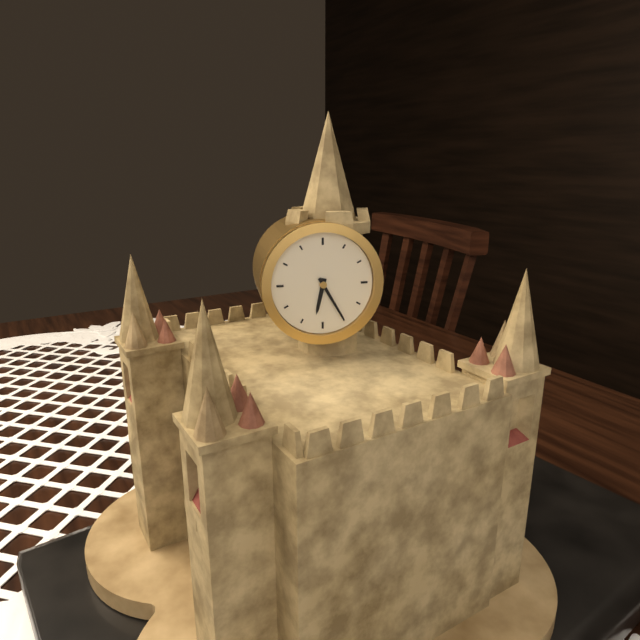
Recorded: h=6 m=25
